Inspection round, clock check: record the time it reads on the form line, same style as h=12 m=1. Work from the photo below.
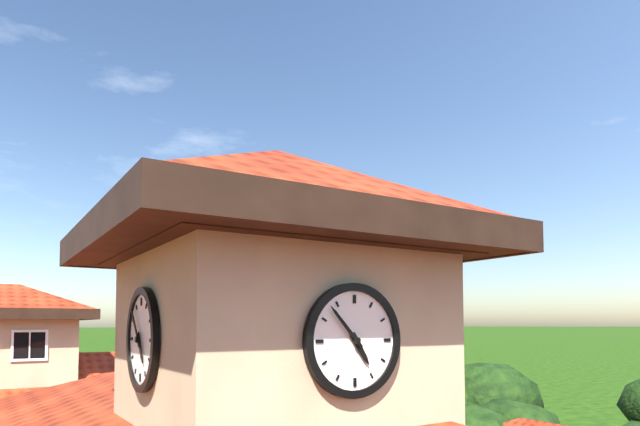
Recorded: h=4 m=53
